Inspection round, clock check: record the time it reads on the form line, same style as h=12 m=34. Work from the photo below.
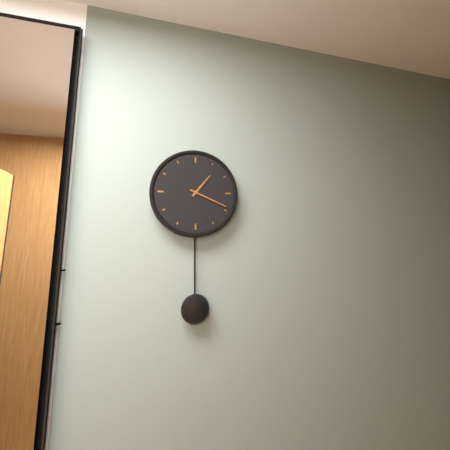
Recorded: h=1 m=19
